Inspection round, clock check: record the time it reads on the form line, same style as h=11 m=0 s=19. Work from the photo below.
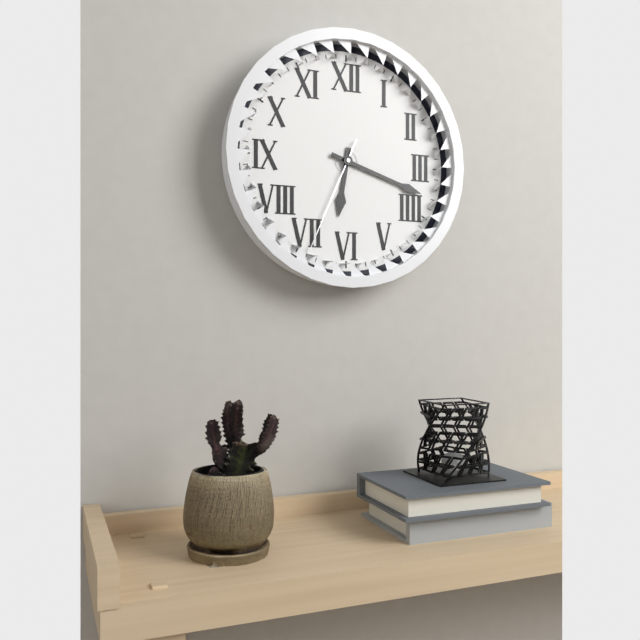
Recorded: h=6 m=18 s=34
